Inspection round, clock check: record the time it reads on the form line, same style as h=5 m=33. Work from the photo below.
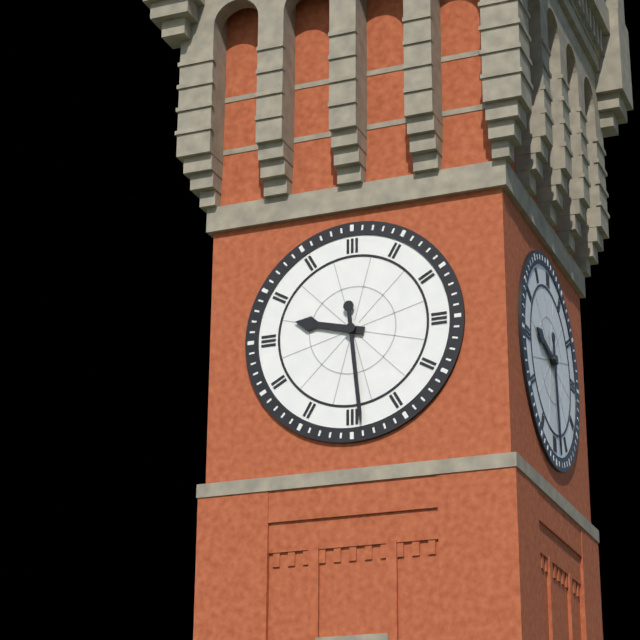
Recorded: h=9 m=29
